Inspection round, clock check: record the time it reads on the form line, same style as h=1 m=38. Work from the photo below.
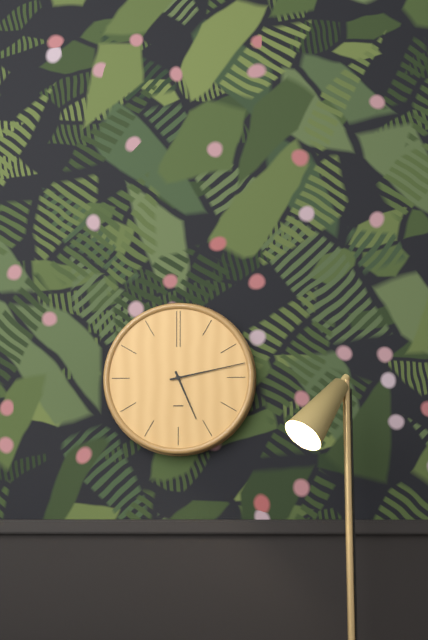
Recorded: h=5 m=13
